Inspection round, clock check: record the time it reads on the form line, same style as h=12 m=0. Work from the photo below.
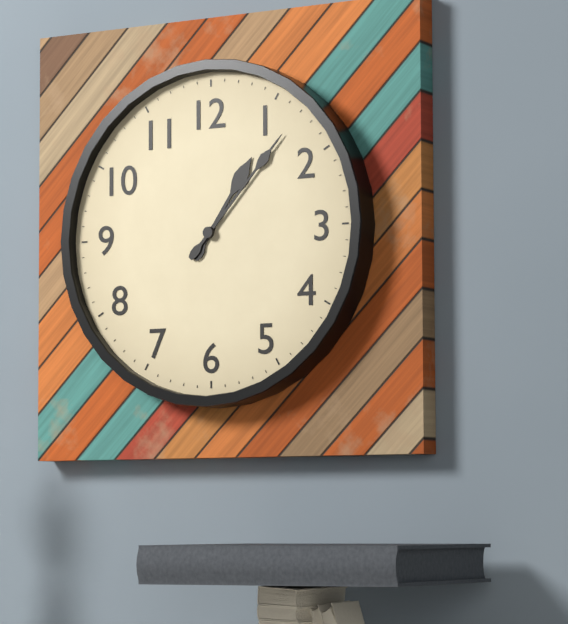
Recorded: h=1 m=7
